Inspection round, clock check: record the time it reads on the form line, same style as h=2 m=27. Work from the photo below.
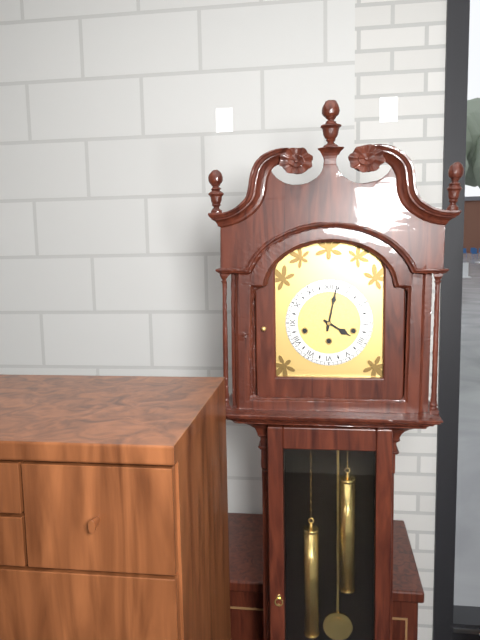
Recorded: h=4 m=2
